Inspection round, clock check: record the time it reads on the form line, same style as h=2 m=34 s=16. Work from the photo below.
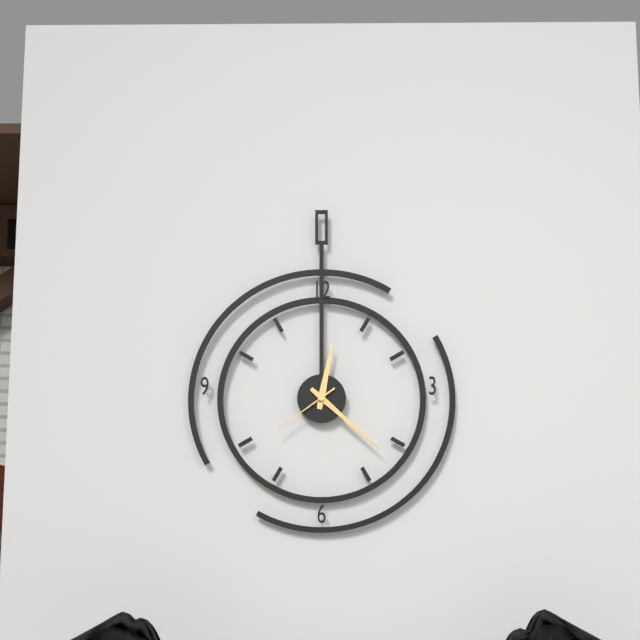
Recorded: h=12 m=22 s=39
